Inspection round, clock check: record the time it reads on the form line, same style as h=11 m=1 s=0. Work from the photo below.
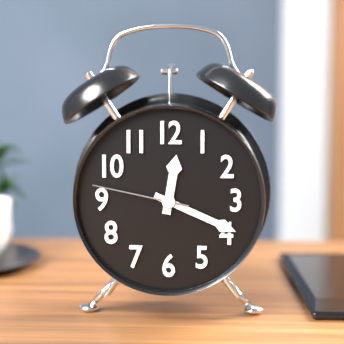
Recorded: h=12 m=19 s=47
